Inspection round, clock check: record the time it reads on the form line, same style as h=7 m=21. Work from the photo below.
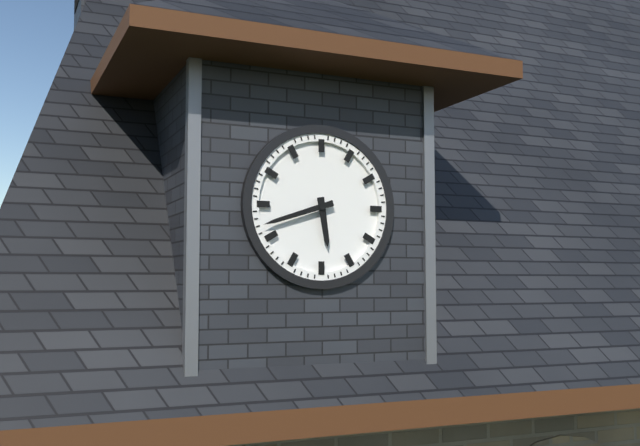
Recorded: h=5 m=42
